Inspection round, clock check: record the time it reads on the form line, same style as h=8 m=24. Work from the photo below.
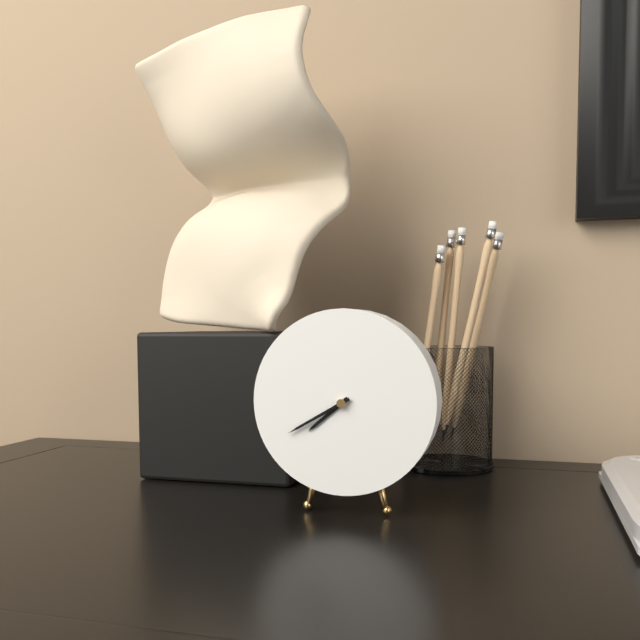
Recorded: h=7 m=40
